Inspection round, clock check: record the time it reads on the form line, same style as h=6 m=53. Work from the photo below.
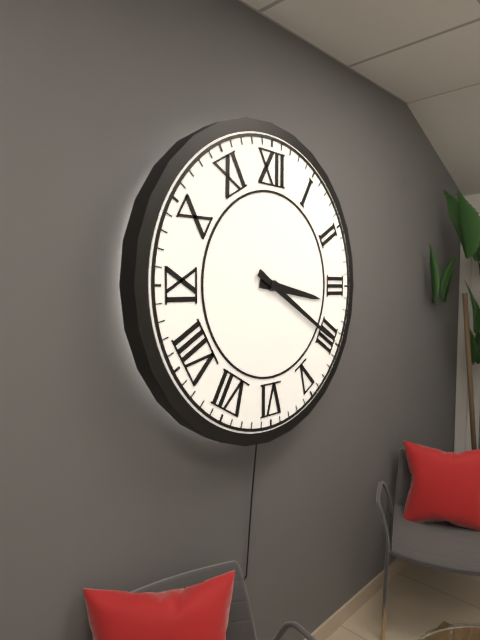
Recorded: h=3 m=20
